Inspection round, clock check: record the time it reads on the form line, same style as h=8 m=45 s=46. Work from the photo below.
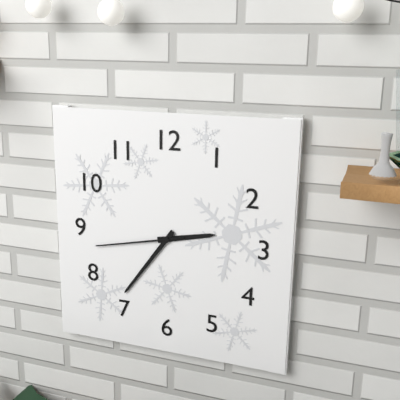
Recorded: h=2 m=36 s=43
